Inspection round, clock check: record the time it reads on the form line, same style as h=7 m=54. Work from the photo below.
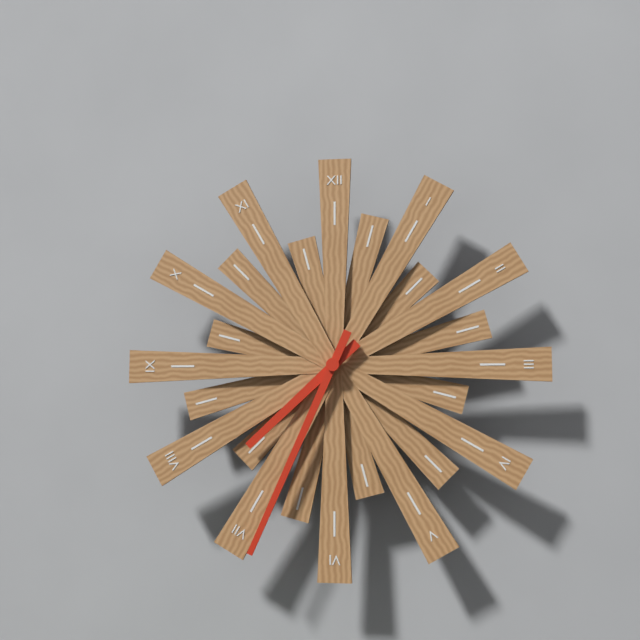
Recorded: h=7 m=34
